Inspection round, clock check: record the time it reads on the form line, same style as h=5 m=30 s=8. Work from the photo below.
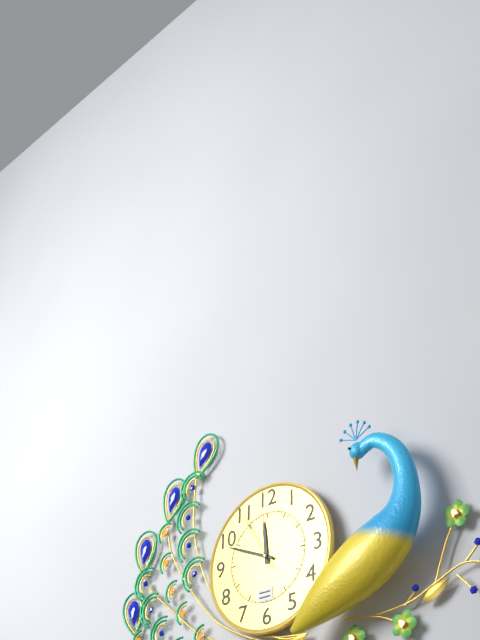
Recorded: h=11 m=49 s=55
